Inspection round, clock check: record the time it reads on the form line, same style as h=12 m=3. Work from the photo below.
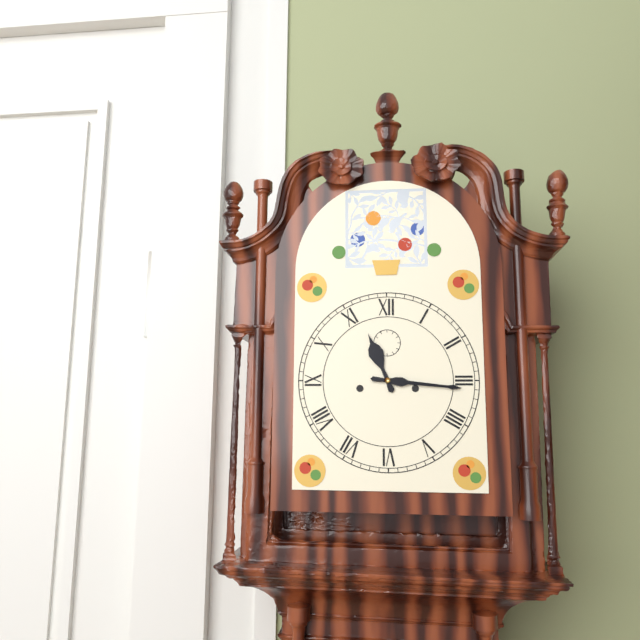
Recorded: h=11 m=16
